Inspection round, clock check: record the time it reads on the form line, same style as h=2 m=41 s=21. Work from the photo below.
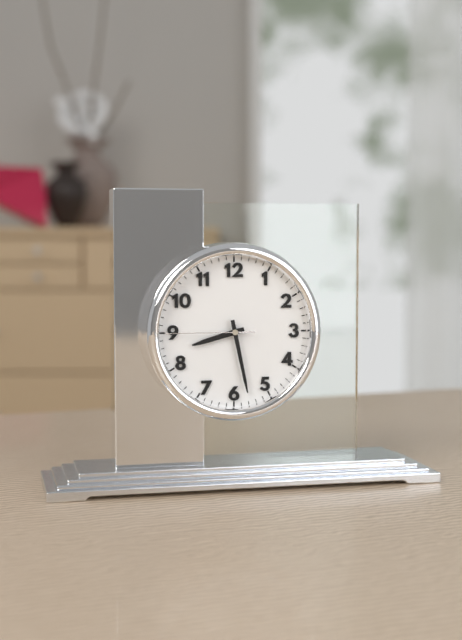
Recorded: h=8 m=28 s=45
